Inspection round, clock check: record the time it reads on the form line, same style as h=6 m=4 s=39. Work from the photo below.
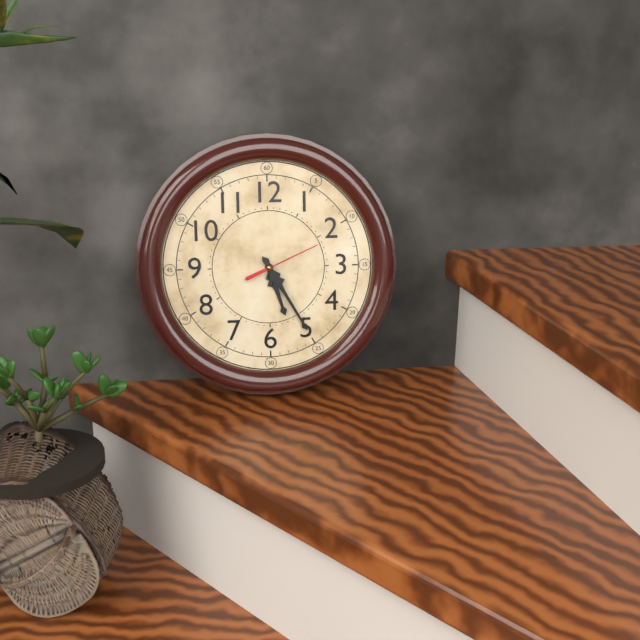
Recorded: h=5 m=25 s=11
